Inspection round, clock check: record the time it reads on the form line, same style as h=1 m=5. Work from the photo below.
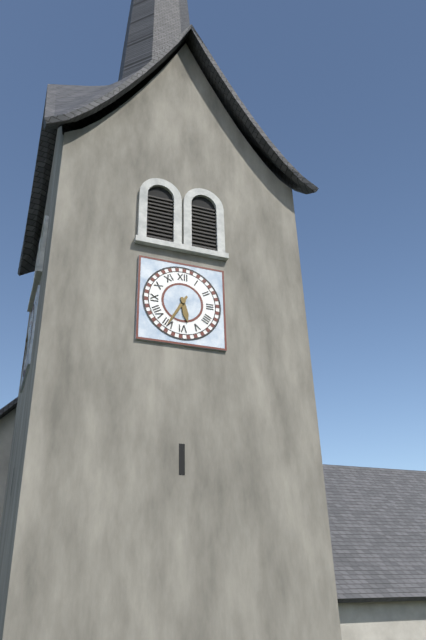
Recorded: h=5 m=35
